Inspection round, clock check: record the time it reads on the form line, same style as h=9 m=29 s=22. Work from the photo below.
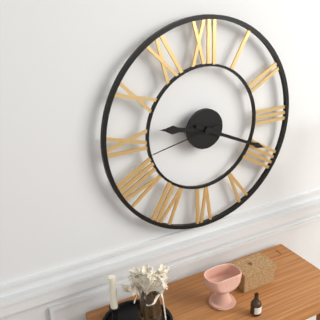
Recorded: h=9 m=19 s=43
